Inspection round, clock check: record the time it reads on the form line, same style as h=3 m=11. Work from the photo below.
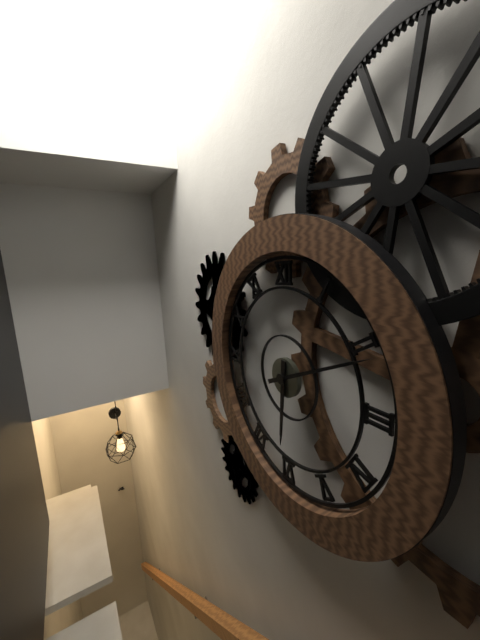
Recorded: h=6 m=11
